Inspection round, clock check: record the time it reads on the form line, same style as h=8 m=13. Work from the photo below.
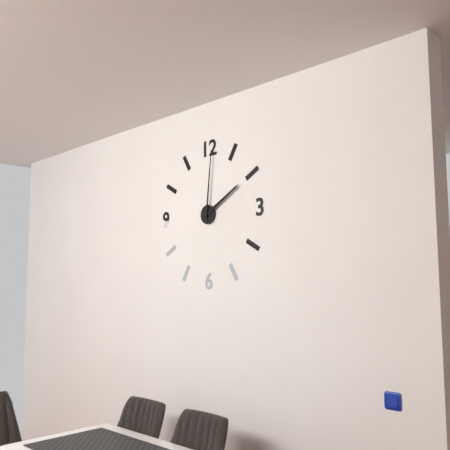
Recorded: h=2 m=1
